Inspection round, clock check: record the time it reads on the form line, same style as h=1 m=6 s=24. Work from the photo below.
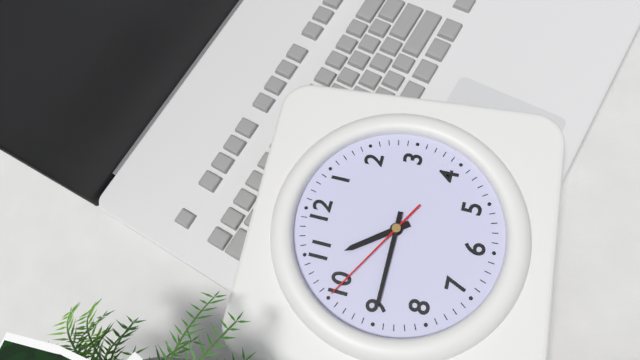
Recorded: h=10 m=45 s=50
